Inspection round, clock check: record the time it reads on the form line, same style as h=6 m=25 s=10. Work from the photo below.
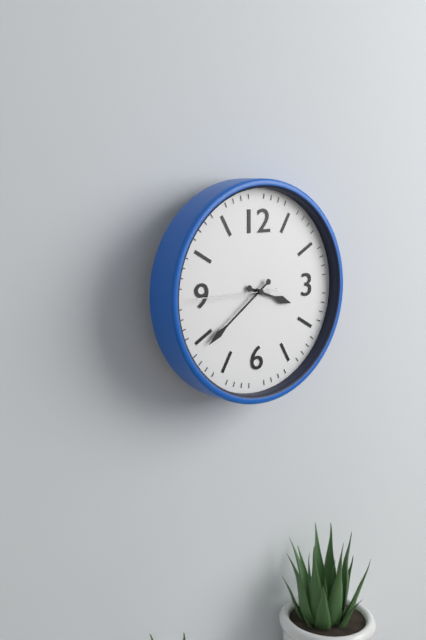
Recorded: h=3 m=39 s=45
